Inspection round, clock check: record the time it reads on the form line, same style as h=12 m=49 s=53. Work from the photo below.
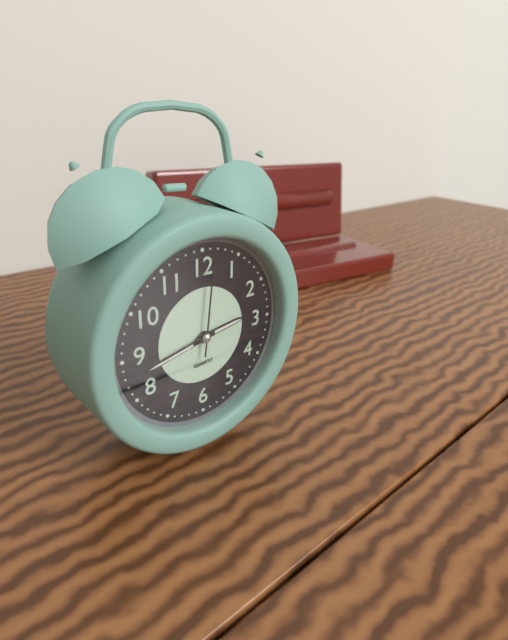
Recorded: h=2 m=43 s=1
